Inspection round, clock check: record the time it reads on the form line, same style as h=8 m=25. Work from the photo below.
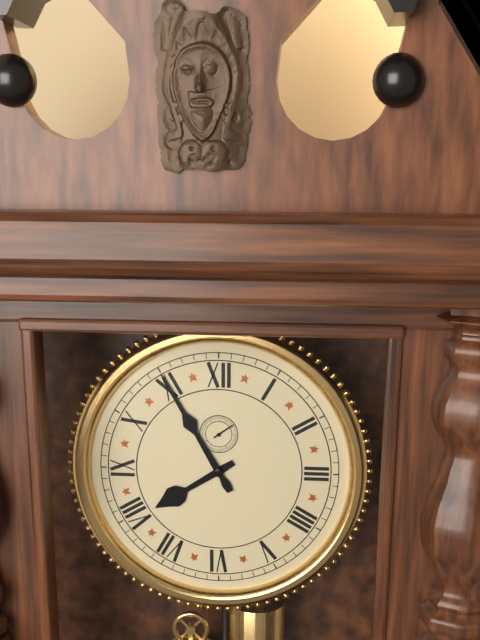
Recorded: h=7 m=55
